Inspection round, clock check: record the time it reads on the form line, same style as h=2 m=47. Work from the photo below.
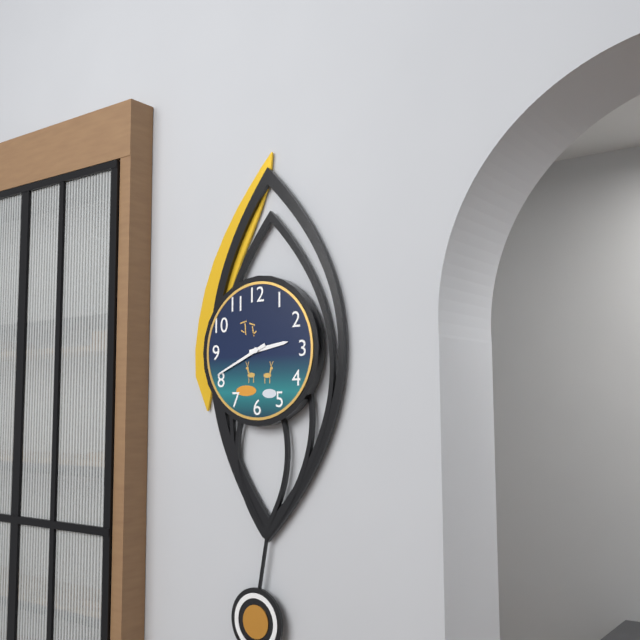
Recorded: h=2 m=41
